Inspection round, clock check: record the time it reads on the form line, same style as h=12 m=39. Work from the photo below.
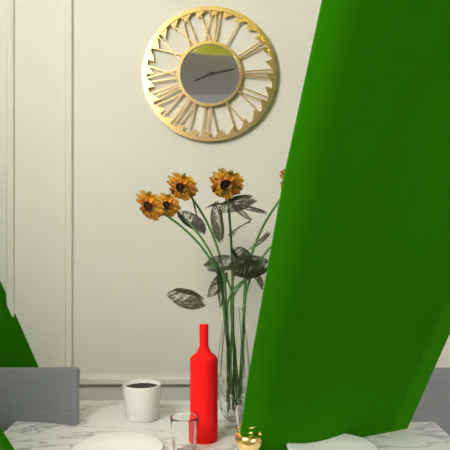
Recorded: h=8 m=13
